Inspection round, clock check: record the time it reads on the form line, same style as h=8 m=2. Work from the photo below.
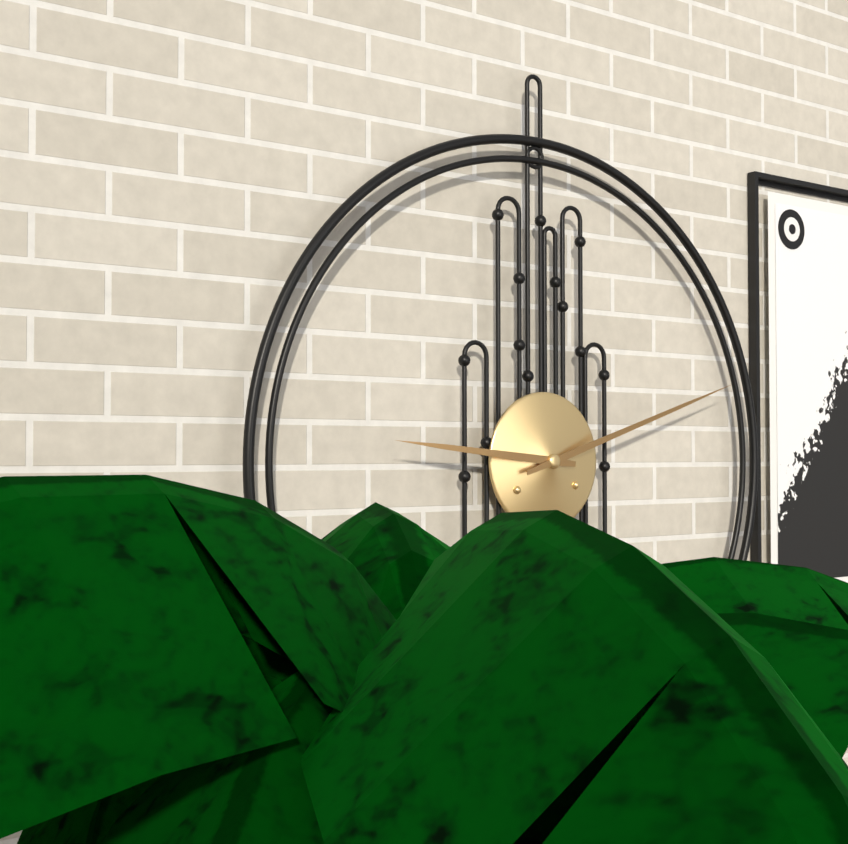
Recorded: h=9 m=12
